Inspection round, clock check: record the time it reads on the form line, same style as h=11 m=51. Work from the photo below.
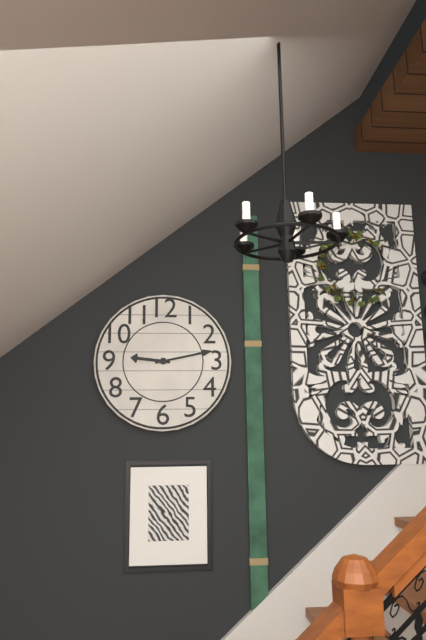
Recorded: h=9 m=13
